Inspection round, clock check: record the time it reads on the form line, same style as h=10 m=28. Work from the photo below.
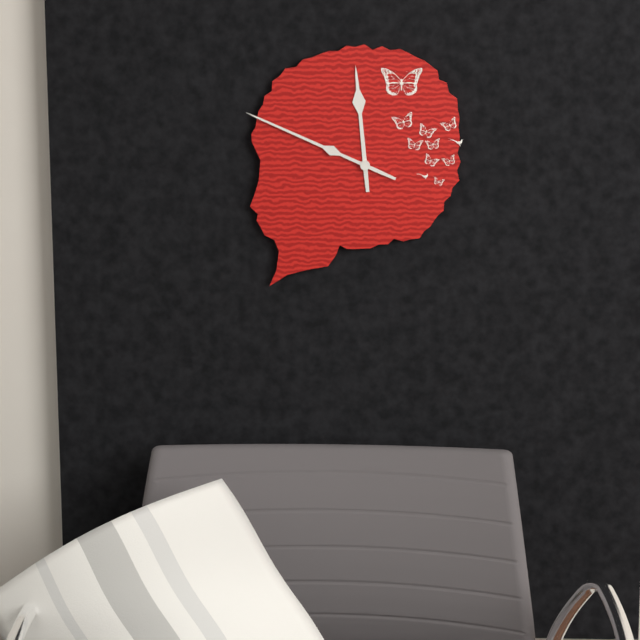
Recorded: h=11 m=49
